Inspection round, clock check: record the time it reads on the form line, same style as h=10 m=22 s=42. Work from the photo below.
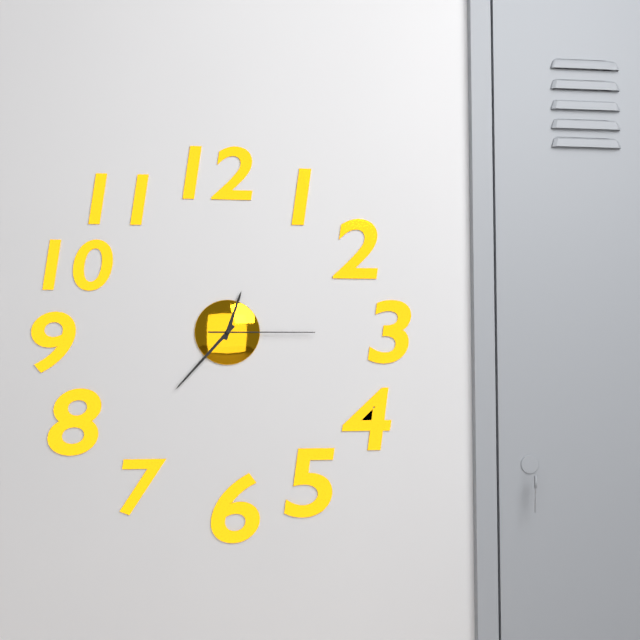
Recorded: h=12 m=37 s=15
